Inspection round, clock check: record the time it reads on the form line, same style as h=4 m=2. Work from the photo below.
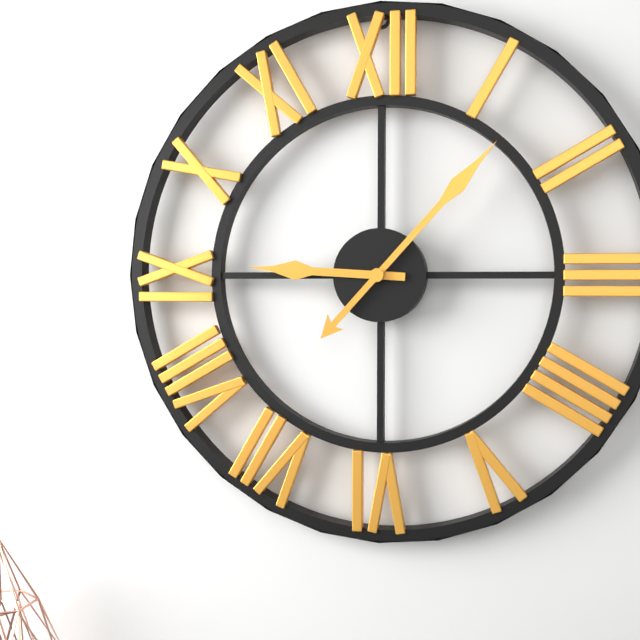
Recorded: h=9 m=7
